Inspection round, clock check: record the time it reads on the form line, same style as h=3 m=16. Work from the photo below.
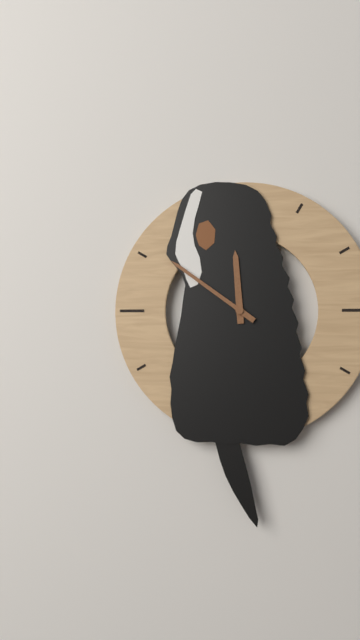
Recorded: h=11 m=51
